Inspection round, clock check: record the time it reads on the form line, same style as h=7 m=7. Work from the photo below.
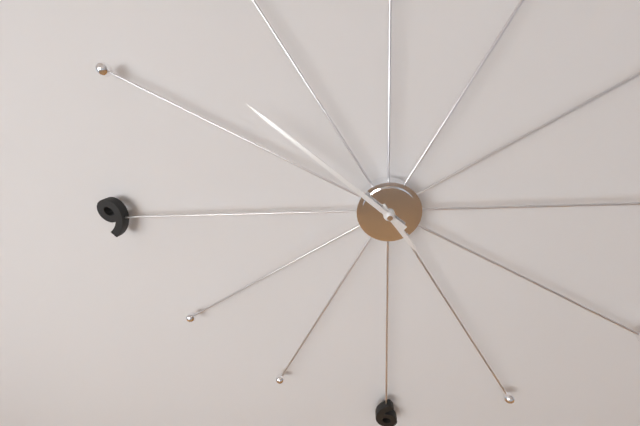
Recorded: h=4 m=52
